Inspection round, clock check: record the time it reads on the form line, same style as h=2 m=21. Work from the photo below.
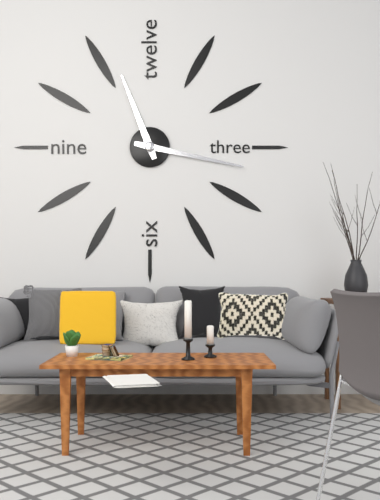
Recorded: h=11 m=17
